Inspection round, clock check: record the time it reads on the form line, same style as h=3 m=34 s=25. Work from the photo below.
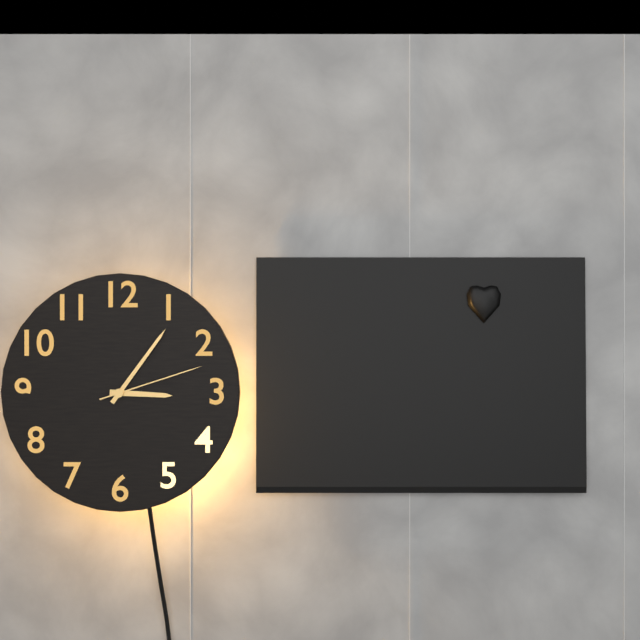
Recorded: h=3 m=6 s=12
